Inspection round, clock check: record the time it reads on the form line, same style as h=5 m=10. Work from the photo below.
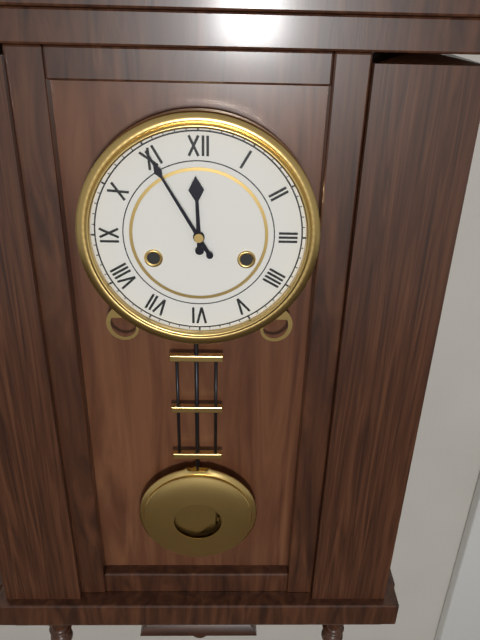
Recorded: h=11 m=55
